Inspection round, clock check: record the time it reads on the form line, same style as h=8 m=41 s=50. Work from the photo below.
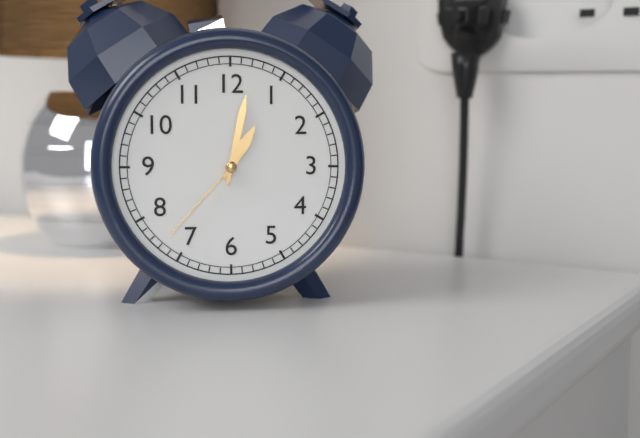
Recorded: h=1 m=2 s=37
